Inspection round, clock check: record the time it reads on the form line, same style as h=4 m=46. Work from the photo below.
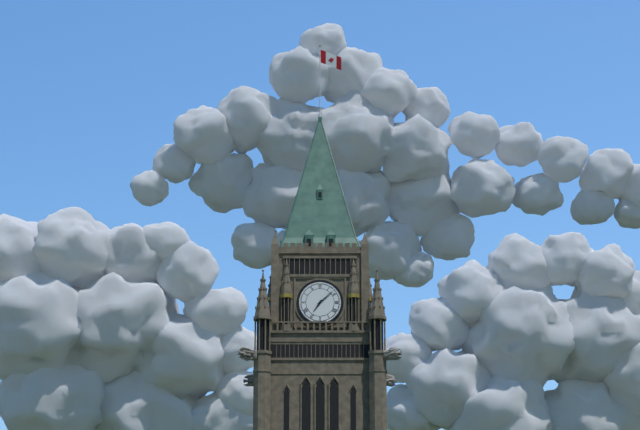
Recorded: h=7 m=8
